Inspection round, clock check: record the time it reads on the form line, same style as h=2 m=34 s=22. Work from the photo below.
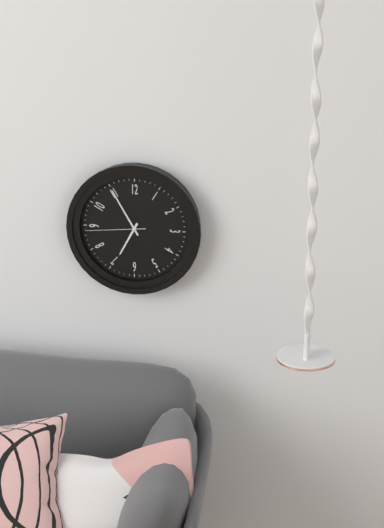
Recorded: h=6 m=55 s=44
